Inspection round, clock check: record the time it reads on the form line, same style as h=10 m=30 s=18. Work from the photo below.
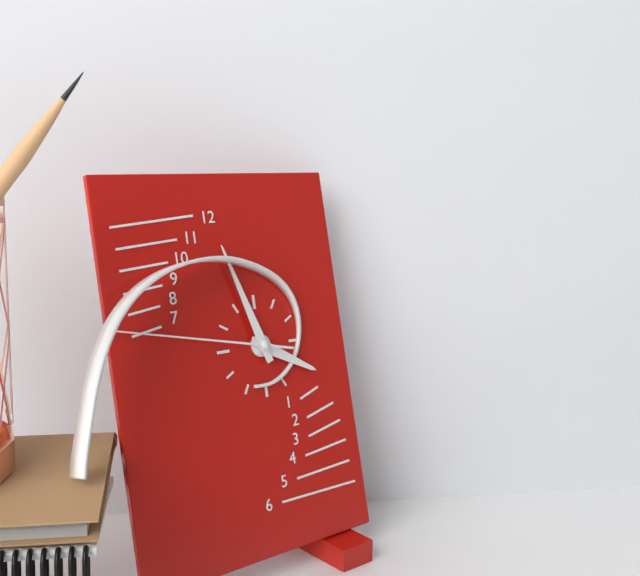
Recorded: h=3 m=57 s=47
